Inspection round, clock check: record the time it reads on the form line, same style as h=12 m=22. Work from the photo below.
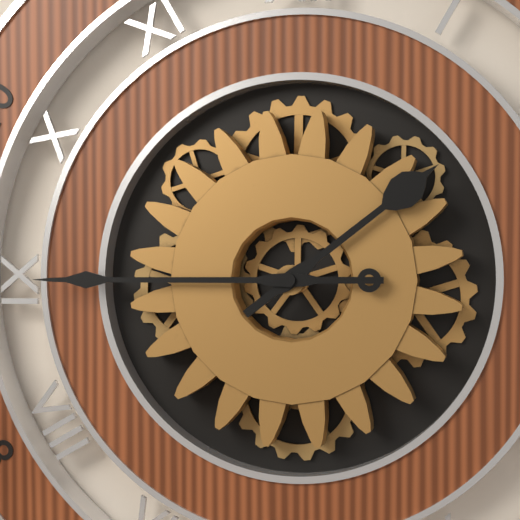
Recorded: h=1 m=45
